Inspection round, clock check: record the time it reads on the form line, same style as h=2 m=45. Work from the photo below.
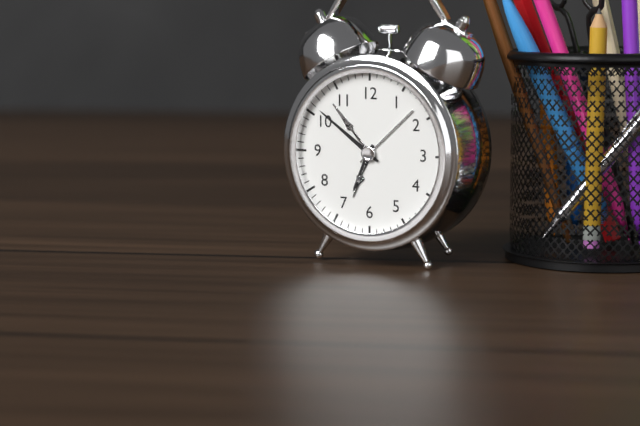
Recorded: h=6 m=51
